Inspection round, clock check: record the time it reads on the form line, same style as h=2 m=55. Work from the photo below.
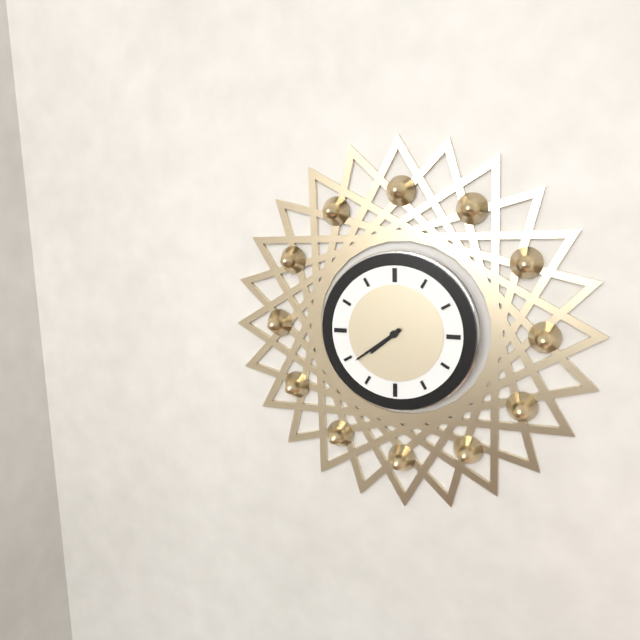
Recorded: h=7 m=39
